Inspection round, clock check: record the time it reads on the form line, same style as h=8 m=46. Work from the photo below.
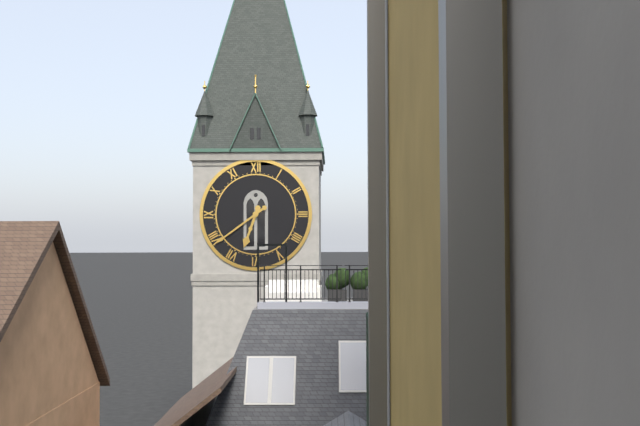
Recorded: h=6 m=39
